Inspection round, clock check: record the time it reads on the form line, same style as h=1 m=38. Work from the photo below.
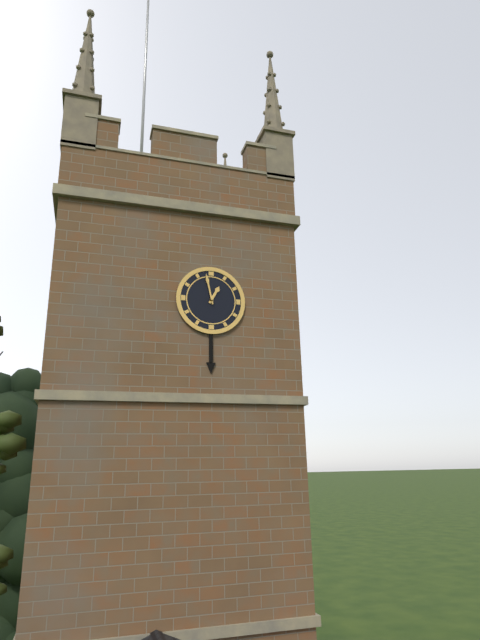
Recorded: h=12 m=58
